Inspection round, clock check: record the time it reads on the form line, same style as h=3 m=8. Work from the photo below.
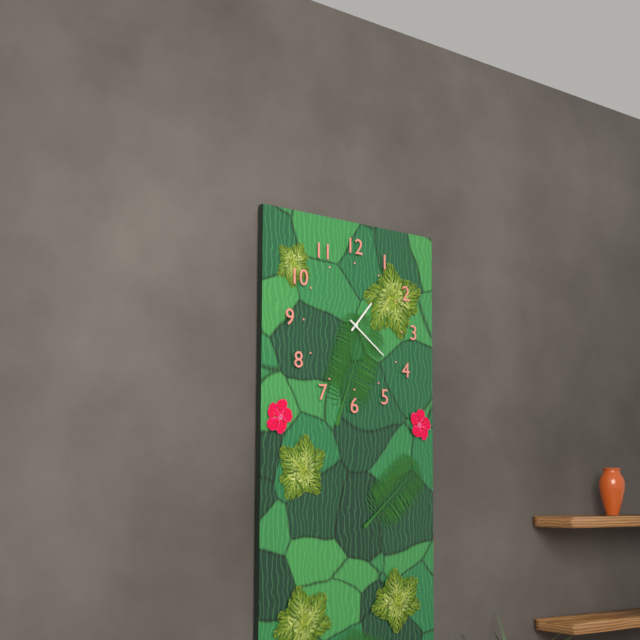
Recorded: h=1 m=21
